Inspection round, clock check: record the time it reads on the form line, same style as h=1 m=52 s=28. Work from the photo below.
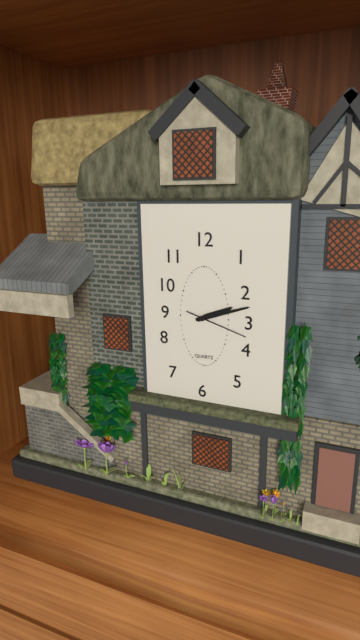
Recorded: h=2 m=12 s=18
